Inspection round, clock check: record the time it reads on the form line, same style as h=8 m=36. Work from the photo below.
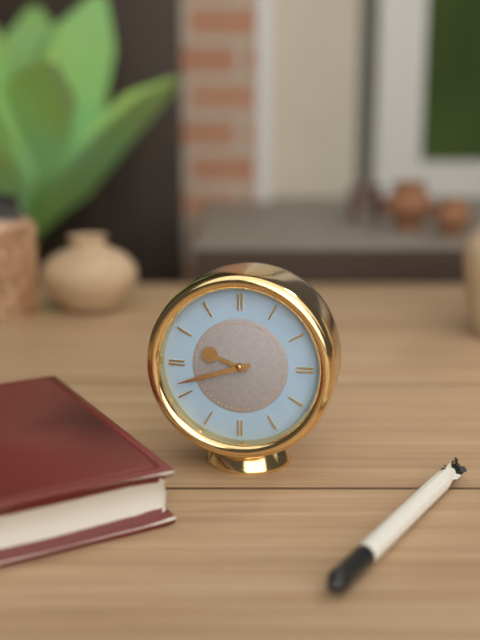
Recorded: h=9 m=42
